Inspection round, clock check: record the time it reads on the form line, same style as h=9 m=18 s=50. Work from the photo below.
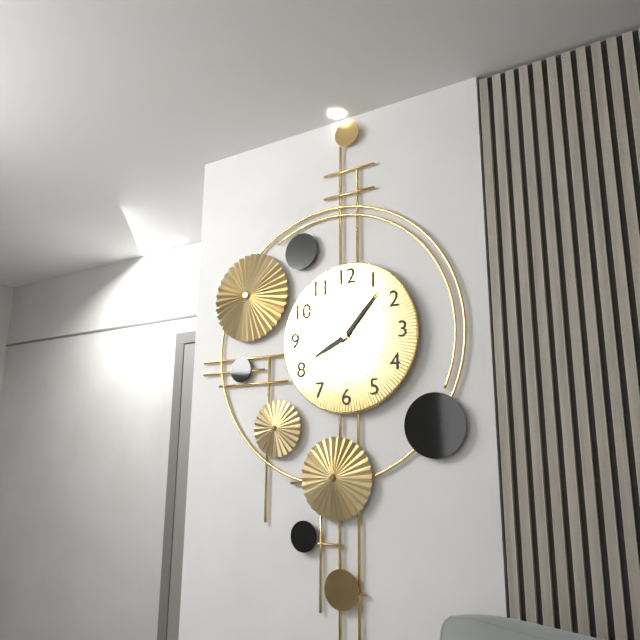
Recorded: h=8 m=7 s=51
